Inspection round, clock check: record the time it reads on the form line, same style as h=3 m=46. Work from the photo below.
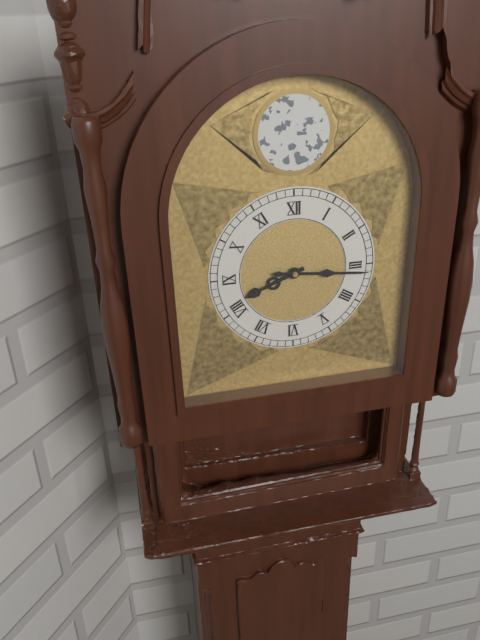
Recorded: h=8 m=16
